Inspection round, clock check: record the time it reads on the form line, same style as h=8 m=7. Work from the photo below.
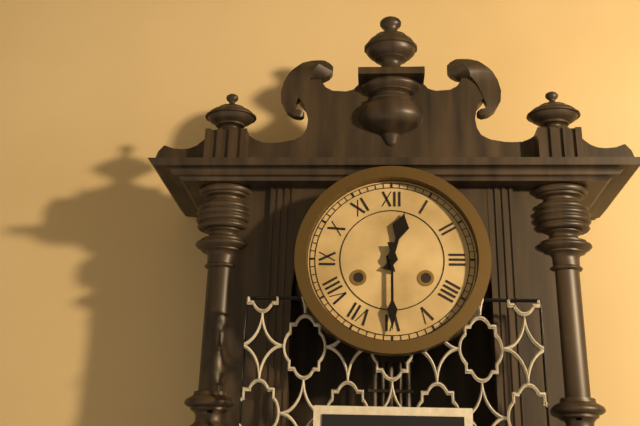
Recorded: h=12 m=30
